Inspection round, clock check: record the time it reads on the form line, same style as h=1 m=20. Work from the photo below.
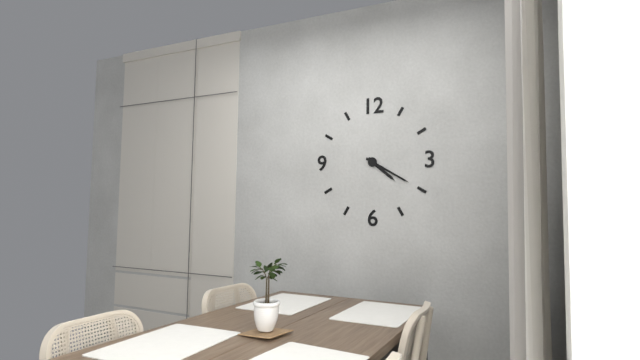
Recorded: h=4 m=20
